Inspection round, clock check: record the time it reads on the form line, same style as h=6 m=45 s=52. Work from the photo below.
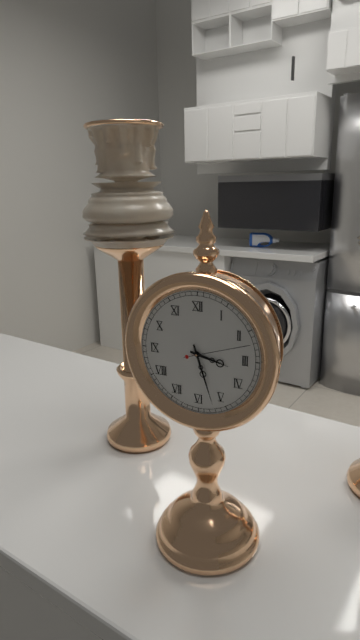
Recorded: h=3 m=27 s=12
